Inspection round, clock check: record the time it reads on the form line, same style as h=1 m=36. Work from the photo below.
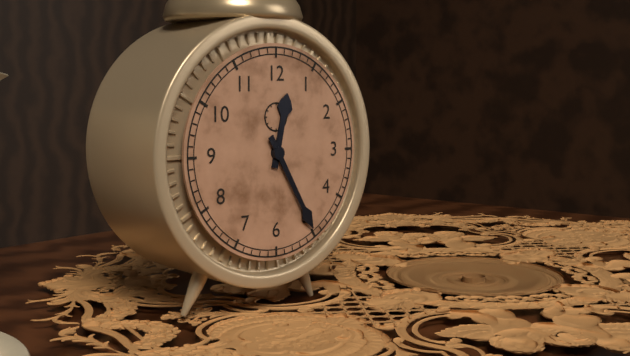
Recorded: h=12 m=25
